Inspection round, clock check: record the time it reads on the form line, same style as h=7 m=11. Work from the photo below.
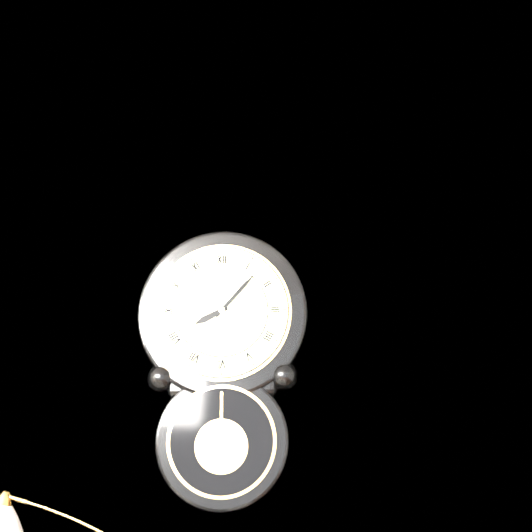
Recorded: h=8 m=7
